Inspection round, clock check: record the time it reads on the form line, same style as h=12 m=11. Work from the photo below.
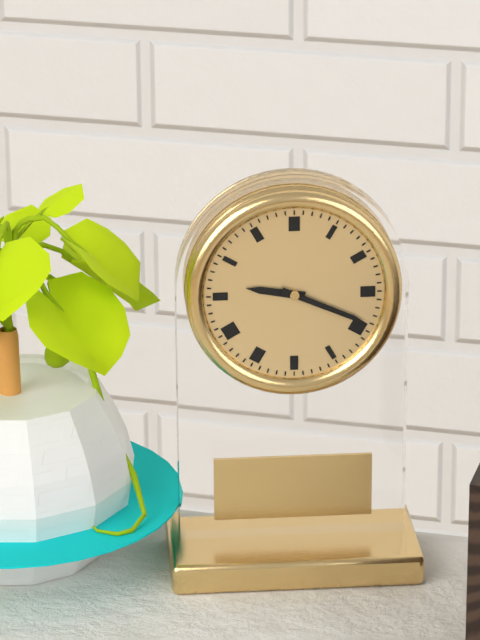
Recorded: h=9 m=19
